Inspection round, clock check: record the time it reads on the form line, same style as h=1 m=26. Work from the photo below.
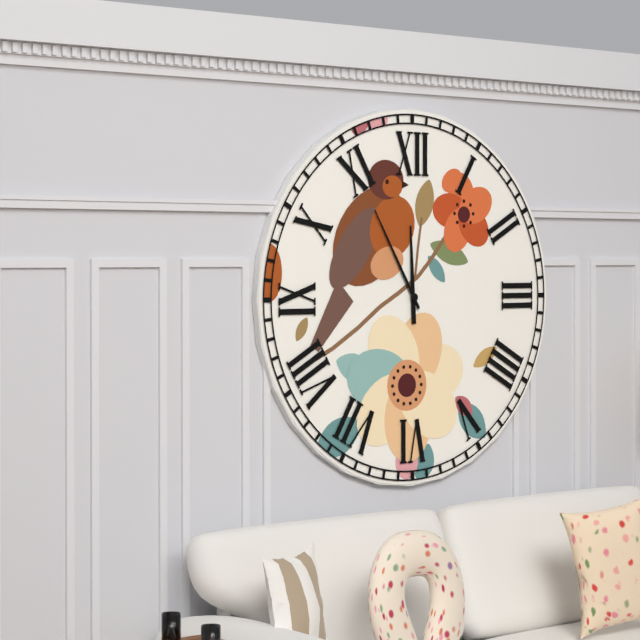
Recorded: h=11 m=55
